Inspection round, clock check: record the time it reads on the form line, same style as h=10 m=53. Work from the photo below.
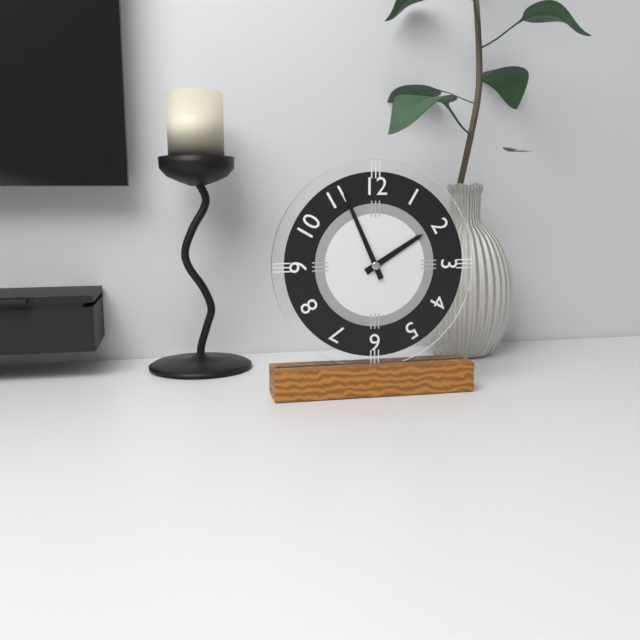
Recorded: h=1 m=56
